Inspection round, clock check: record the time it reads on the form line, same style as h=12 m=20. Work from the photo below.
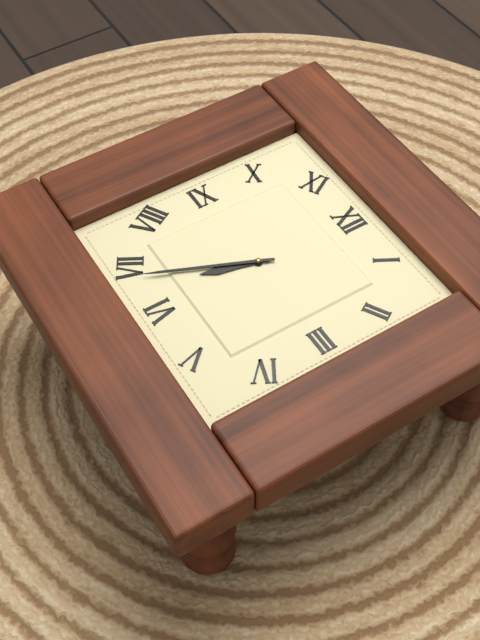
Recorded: h=6 m=34
